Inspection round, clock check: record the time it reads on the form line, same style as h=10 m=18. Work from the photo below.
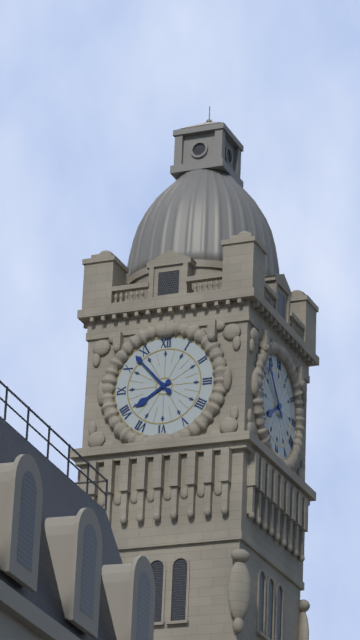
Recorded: h=7 m=53
